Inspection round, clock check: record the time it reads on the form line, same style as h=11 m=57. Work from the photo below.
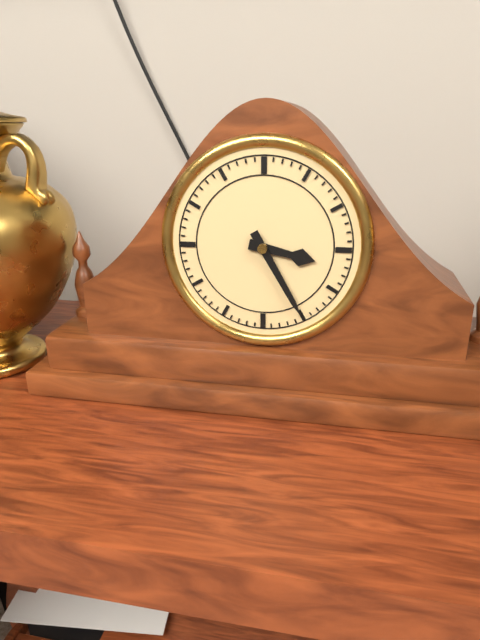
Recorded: h=3 m=25
